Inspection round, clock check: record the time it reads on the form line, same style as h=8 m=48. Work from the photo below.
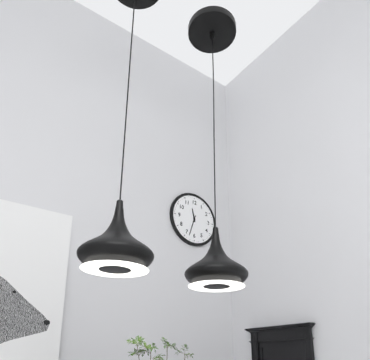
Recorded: h=11 m=33
